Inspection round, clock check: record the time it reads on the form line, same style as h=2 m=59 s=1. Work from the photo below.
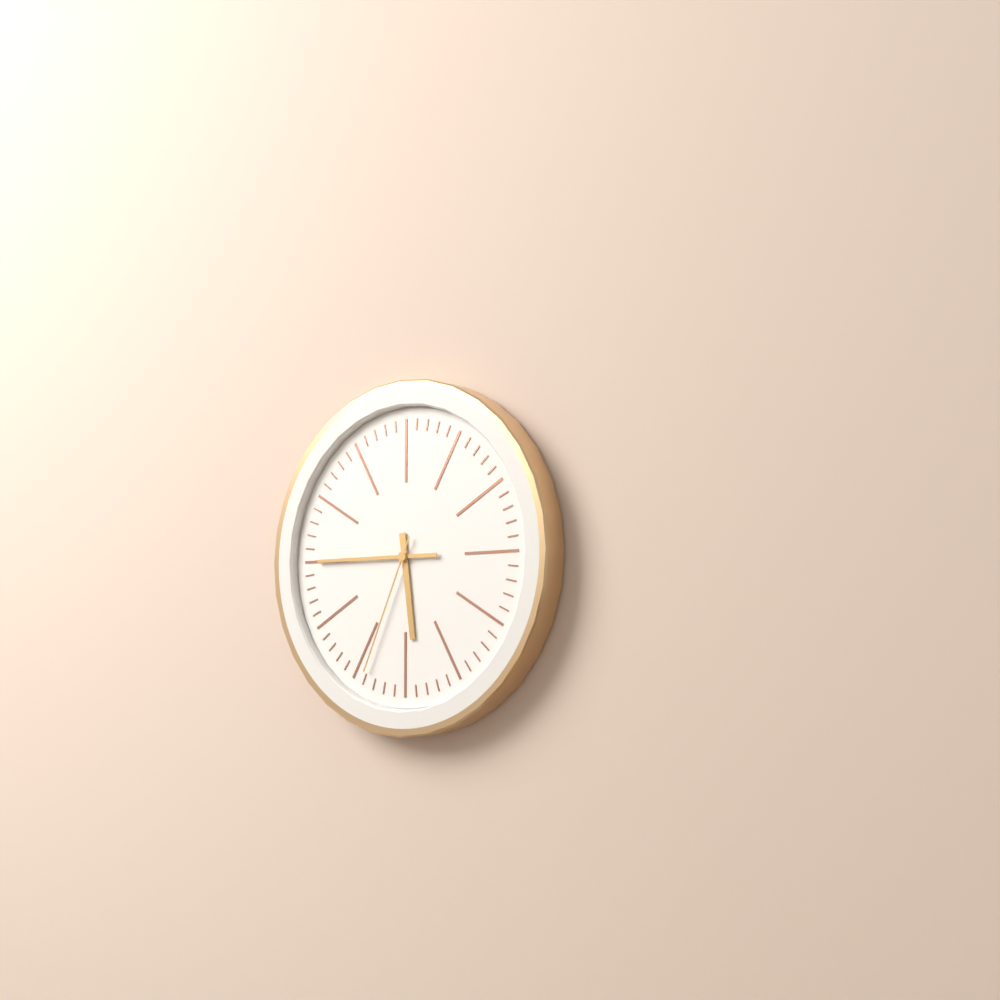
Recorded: h=5 m=45 s=34
